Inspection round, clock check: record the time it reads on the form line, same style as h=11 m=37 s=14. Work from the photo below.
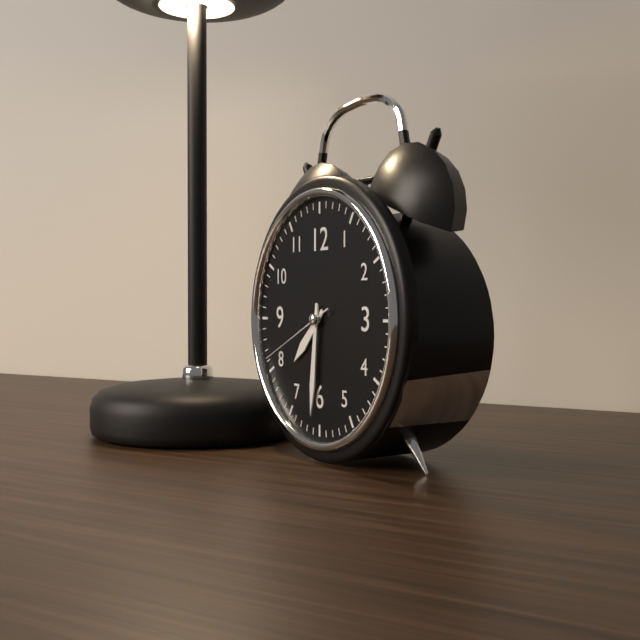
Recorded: h=7 m=31 s=41
